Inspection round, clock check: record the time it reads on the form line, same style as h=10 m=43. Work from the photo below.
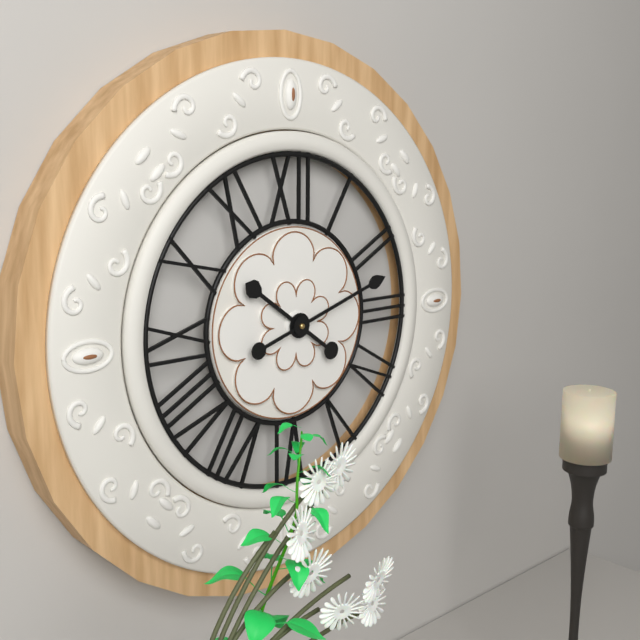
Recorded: h=10 m=12
